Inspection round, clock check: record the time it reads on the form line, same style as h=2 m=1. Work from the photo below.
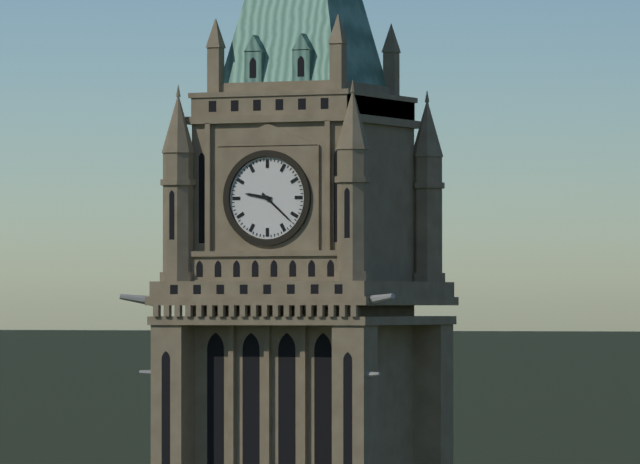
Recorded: h=9 m=22
